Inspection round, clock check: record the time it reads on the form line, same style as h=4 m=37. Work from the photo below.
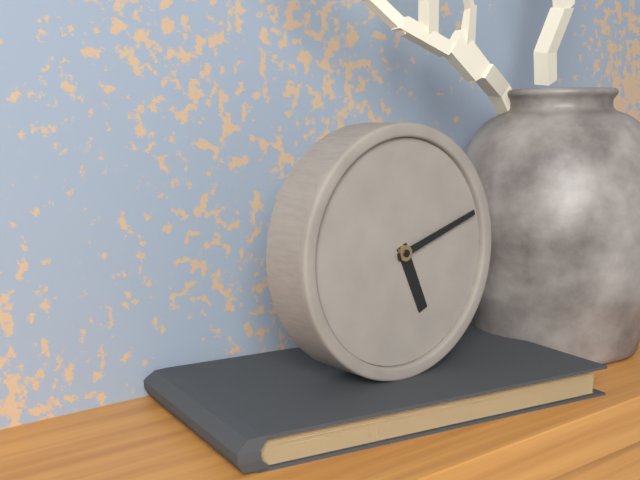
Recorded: h=5 m=12
